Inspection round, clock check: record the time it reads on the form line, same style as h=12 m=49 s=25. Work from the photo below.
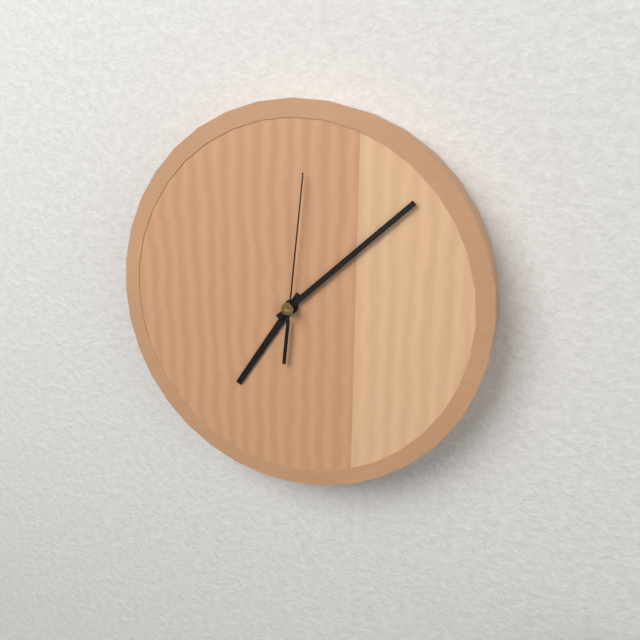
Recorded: h=7 m=8 s=1
